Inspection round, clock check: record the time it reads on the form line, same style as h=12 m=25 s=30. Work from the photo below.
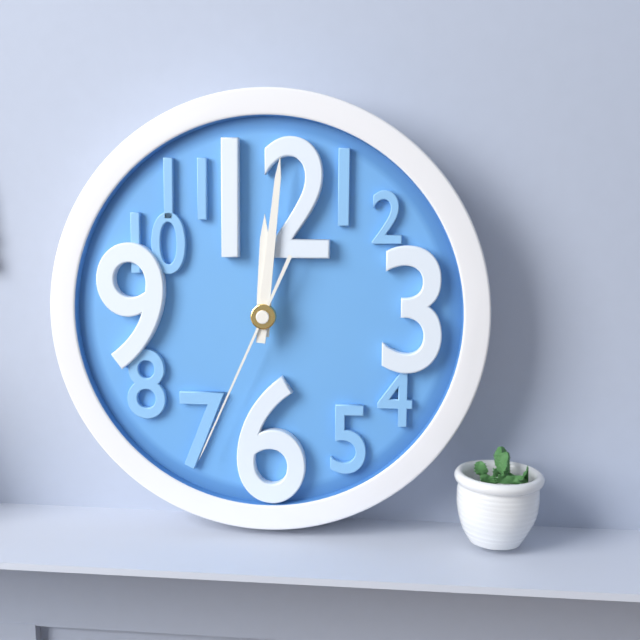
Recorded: h=12 m=1 s=34
